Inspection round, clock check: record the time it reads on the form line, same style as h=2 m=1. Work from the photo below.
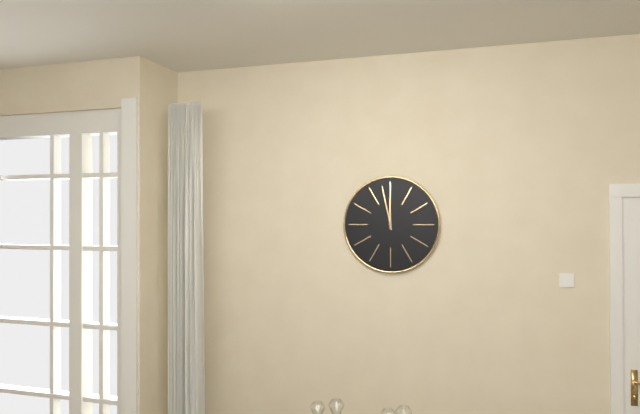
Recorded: h=11 m=58
